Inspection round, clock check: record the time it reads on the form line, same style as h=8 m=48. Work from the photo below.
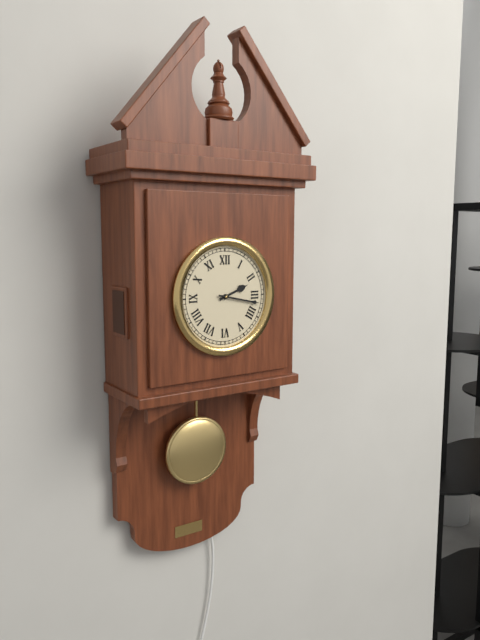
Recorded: h=2 m=17
